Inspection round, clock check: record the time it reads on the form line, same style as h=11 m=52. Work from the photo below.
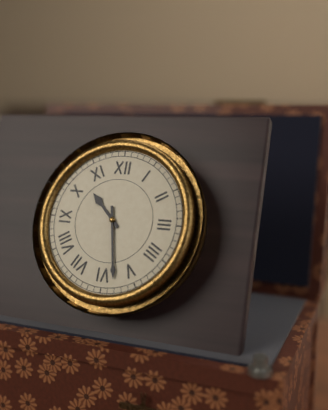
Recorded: h=10 m=28
